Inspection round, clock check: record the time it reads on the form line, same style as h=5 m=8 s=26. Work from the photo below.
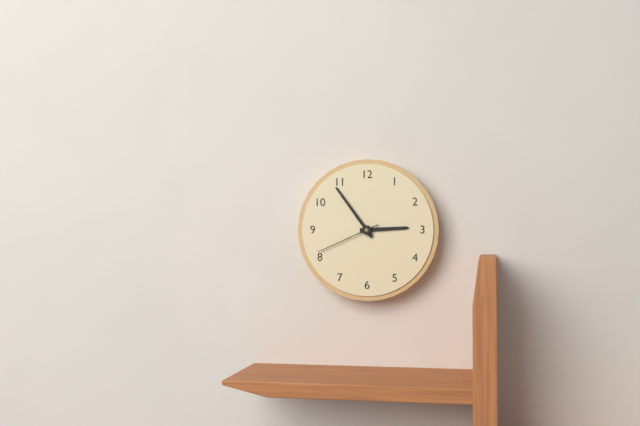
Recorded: h=2 m=54 s=41
